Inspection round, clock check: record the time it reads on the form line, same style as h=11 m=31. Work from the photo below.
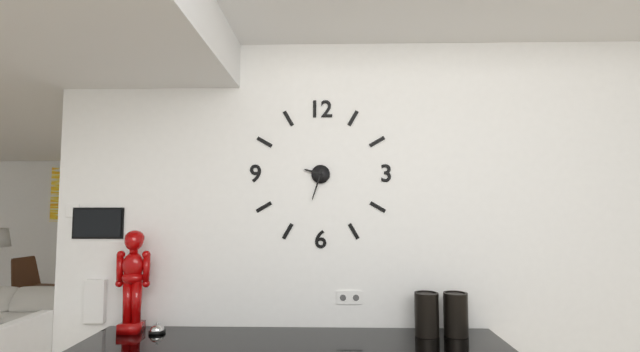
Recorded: h=9 m=33
